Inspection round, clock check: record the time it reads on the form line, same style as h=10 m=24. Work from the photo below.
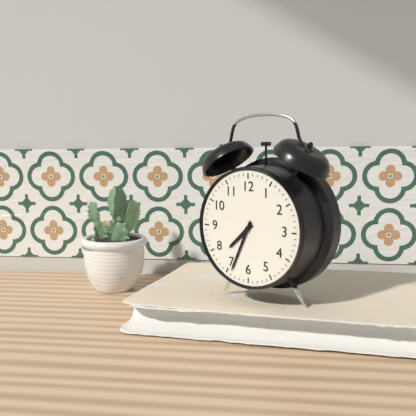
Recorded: h=7 m=34
